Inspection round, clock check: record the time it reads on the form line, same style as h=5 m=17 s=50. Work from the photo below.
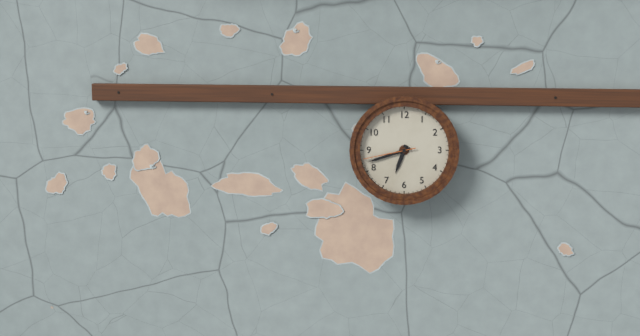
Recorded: h=6 m=42 s=43
